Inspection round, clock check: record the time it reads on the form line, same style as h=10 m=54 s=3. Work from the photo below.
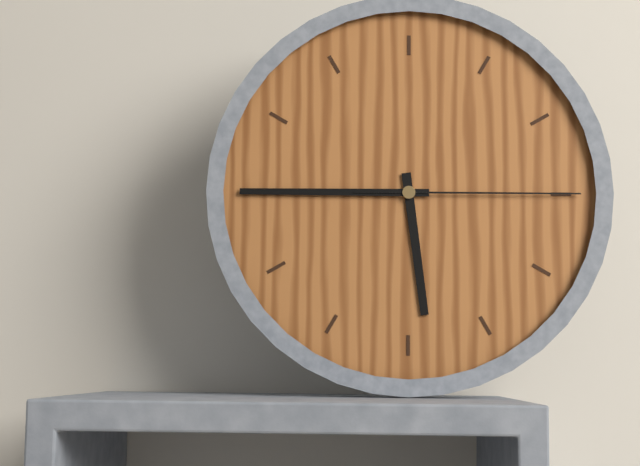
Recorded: h=5 m=45 s=15
